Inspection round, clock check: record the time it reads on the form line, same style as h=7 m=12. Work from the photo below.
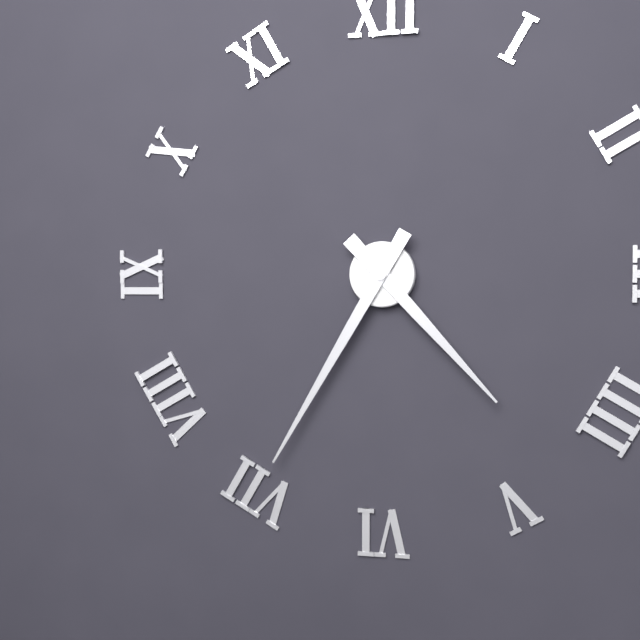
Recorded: h=4 m=35
